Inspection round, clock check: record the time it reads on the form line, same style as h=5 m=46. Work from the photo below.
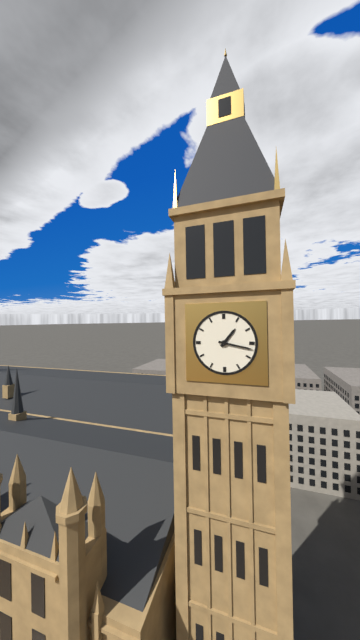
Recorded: h=1 m=17
